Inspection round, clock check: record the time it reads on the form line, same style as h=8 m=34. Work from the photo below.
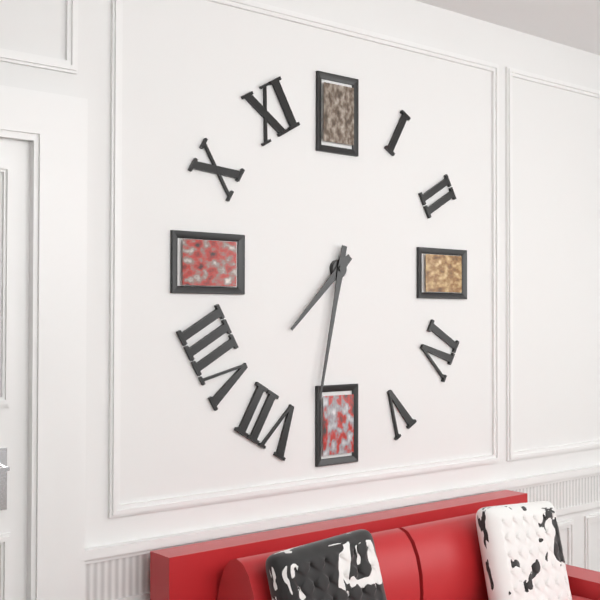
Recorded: h=7 m=32
